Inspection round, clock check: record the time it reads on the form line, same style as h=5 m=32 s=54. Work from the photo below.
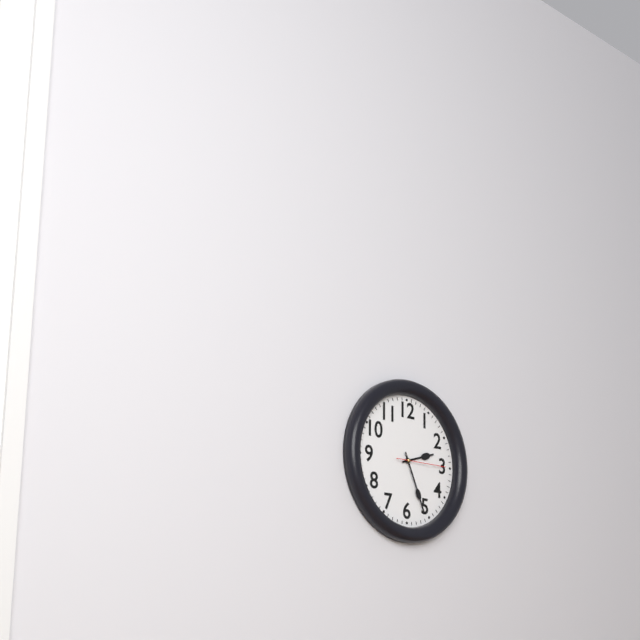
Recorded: h=2 m=26 s=15
